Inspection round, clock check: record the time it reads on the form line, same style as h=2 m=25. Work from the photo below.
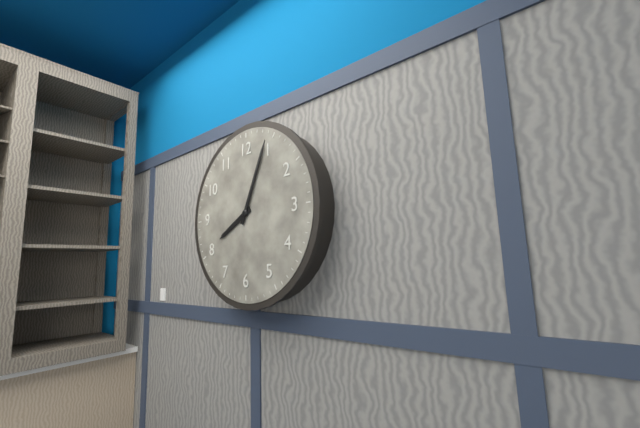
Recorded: h=8 m=4
